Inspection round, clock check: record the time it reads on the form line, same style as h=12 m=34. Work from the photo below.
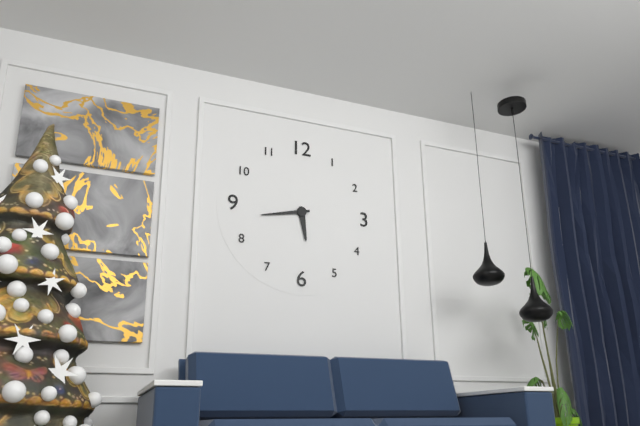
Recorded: h=5 m=43
